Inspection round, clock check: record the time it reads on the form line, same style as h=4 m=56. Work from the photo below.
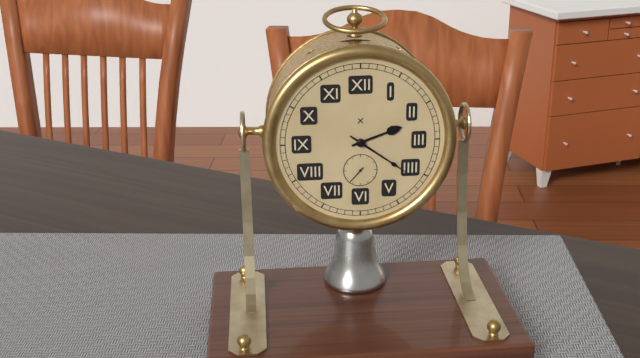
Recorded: h=2 m=21
